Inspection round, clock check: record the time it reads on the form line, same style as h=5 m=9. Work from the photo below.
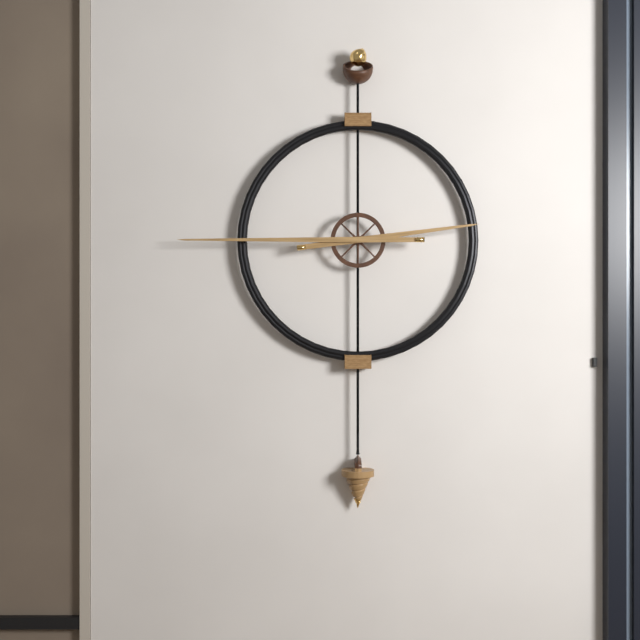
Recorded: h=2 m=45
